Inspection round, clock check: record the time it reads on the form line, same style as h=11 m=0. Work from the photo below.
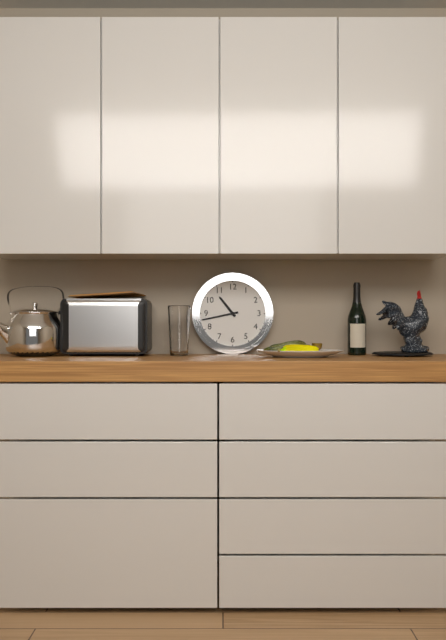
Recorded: h=10 m=43
